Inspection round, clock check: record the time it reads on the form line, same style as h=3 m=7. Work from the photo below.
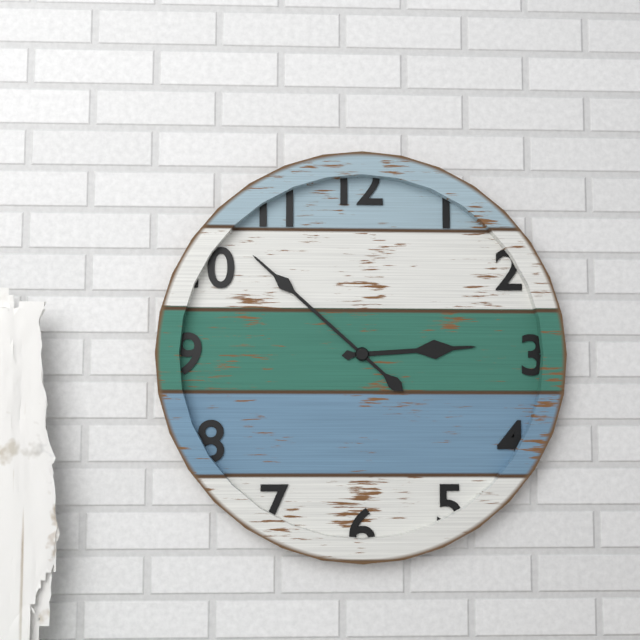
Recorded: h=2 m=52
